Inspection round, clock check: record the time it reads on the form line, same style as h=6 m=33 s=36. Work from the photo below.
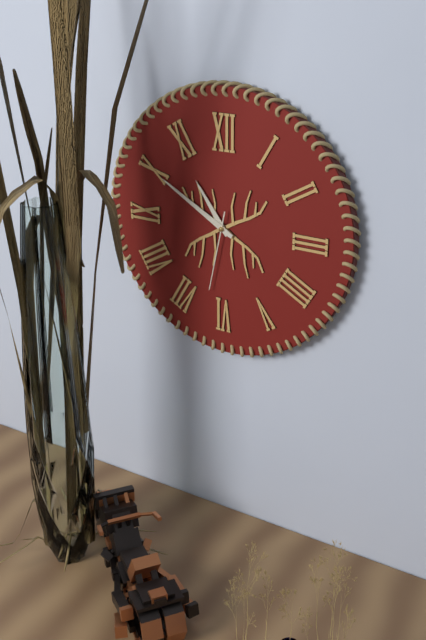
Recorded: h=10 m=50 s=32
